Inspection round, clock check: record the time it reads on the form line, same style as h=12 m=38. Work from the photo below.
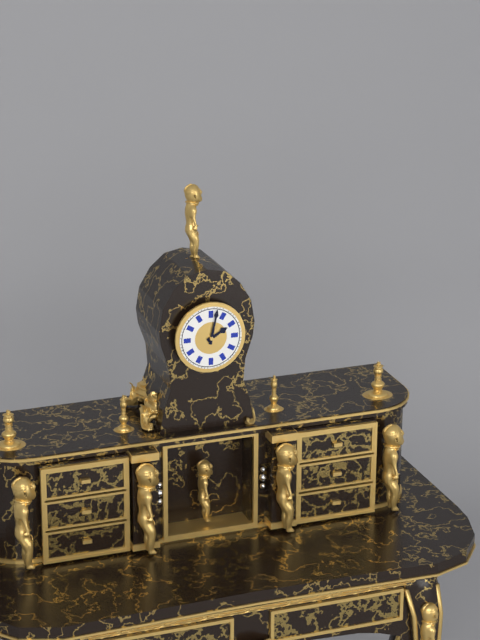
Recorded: h=2 m=2
